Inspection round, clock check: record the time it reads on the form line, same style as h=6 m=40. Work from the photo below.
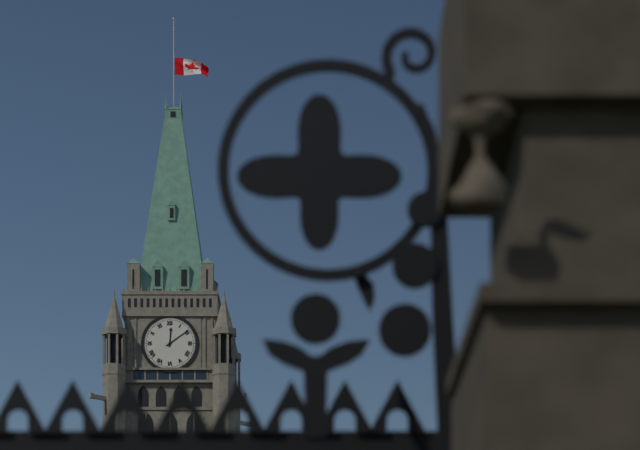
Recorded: h=12 m=9
